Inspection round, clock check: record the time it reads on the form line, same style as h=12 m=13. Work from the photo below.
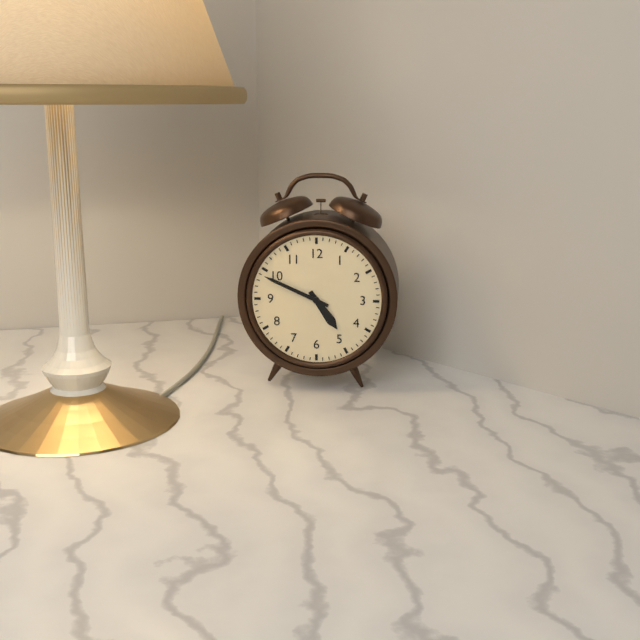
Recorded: h=4 m=49
